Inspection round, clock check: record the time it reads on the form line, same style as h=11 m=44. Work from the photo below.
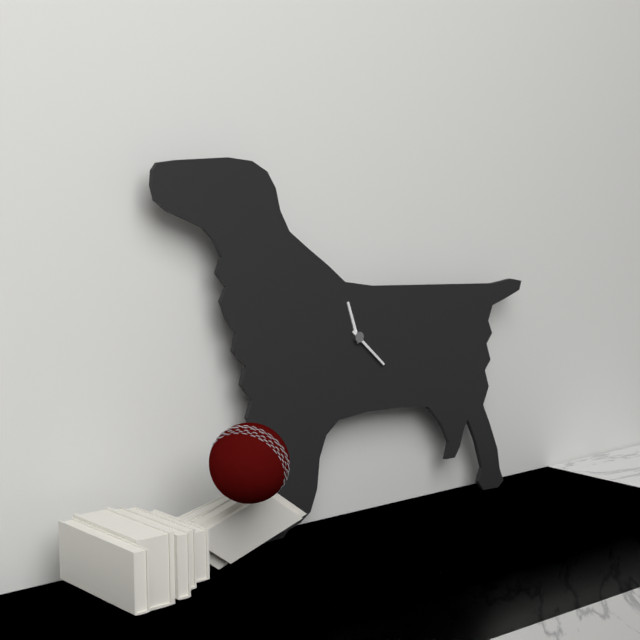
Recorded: h=11 m=22
